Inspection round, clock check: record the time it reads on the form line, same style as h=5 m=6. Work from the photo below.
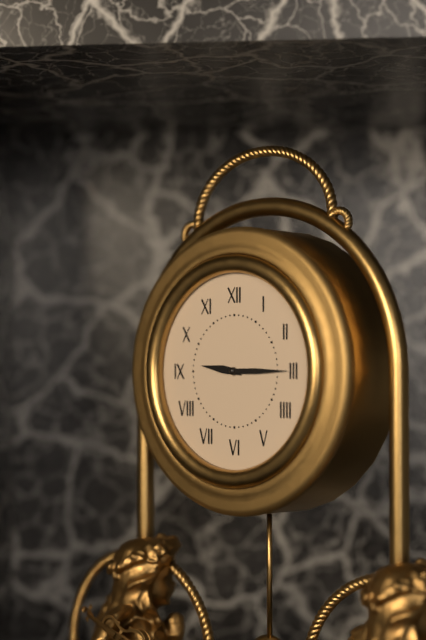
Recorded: h=9 m=15
